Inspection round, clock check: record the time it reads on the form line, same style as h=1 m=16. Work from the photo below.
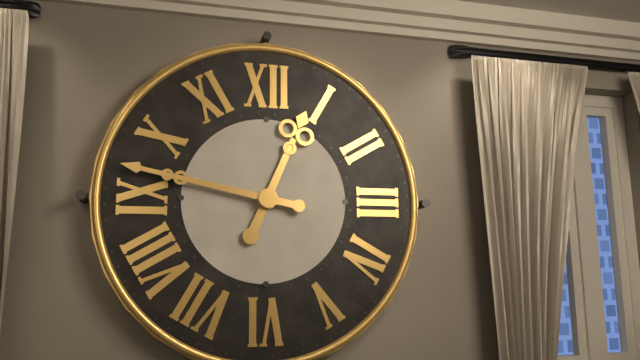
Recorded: h=12 m=47
